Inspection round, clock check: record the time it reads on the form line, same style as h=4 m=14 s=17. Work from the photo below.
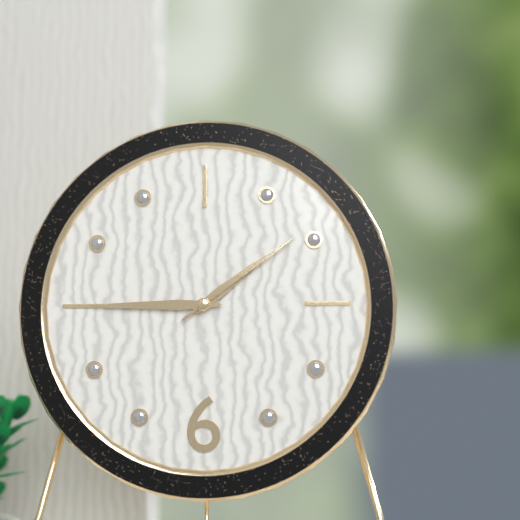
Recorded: h=1 m=45 s=9
